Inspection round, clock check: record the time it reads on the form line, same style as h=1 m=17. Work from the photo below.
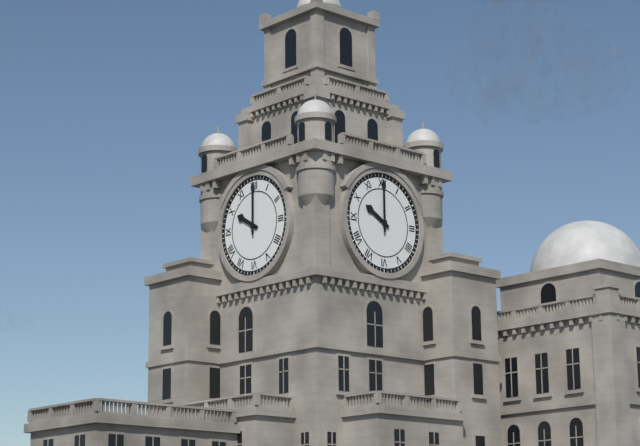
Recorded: h=10 m=0
